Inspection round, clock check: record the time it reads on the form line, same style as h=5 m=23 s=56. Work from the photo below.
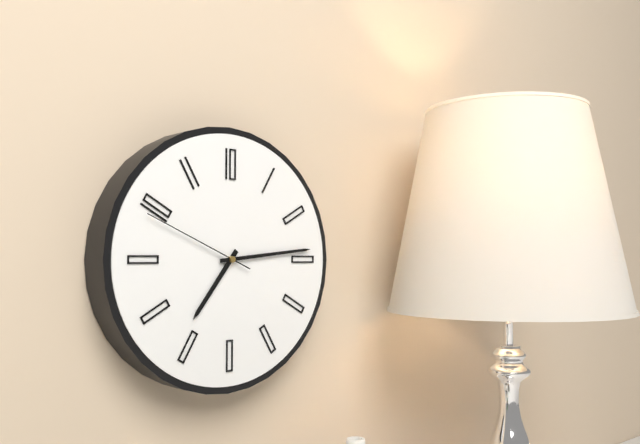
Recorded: h=7 m=14 s=49
